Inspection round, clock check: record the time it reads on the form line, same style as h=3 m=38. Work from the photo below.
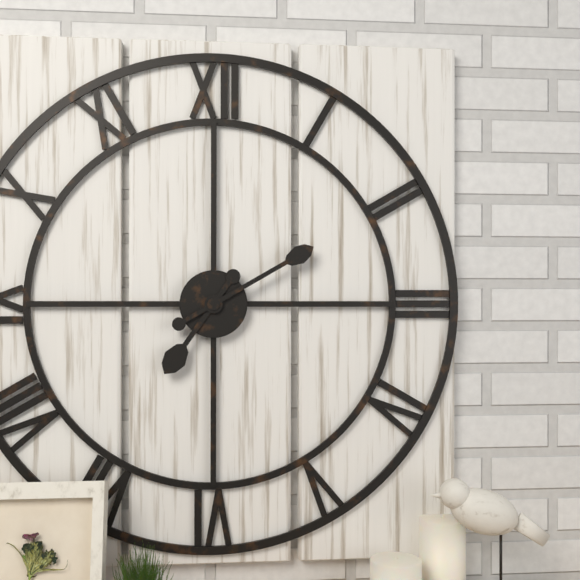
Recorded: h=7 m=10
